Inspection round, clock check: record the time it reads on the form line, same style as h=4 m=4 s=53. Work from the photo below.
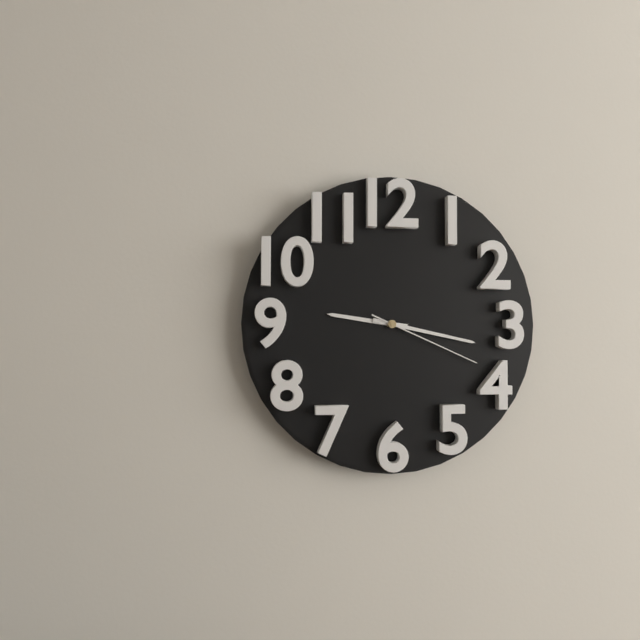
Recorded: h=9 m=17 s=19
